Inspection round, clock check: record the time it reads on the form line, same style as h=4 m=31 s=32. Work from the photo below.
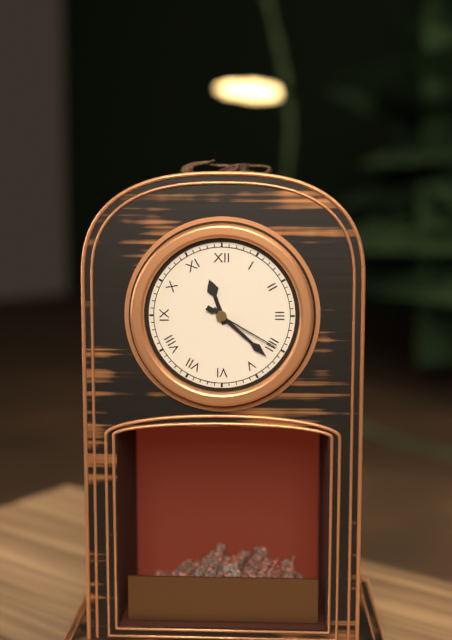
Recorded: h=11 m=22 s=20
